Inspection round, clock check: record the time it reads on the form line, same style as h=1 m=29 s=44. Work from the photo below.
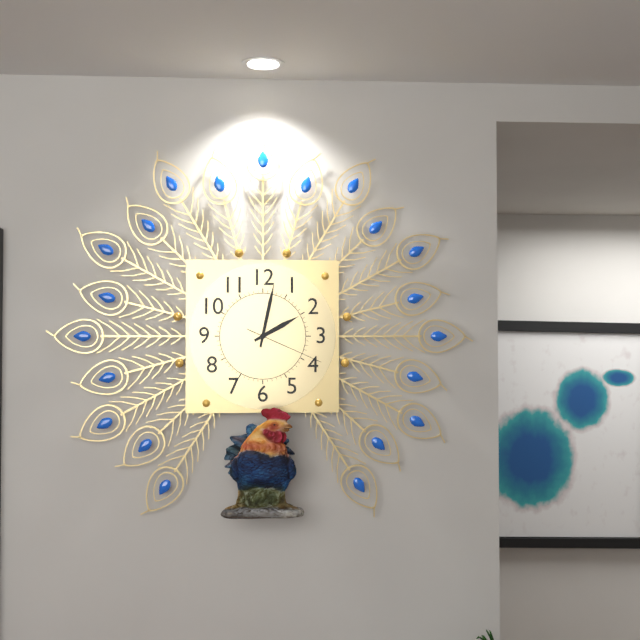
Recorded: h=2 m=2 s=19
